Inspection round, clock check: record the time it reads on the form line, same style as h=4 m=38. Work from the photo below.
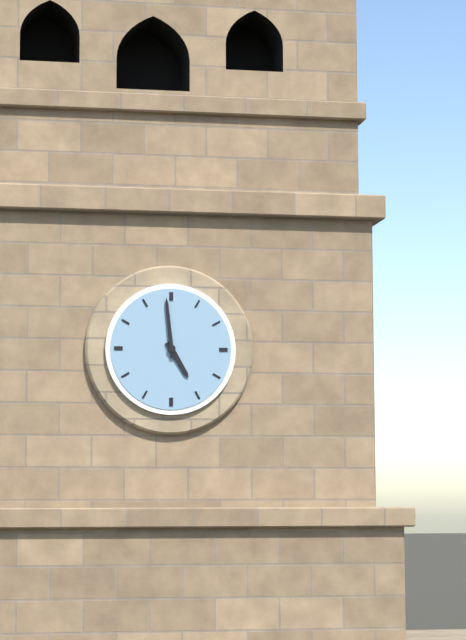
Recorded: h=4 m=59
